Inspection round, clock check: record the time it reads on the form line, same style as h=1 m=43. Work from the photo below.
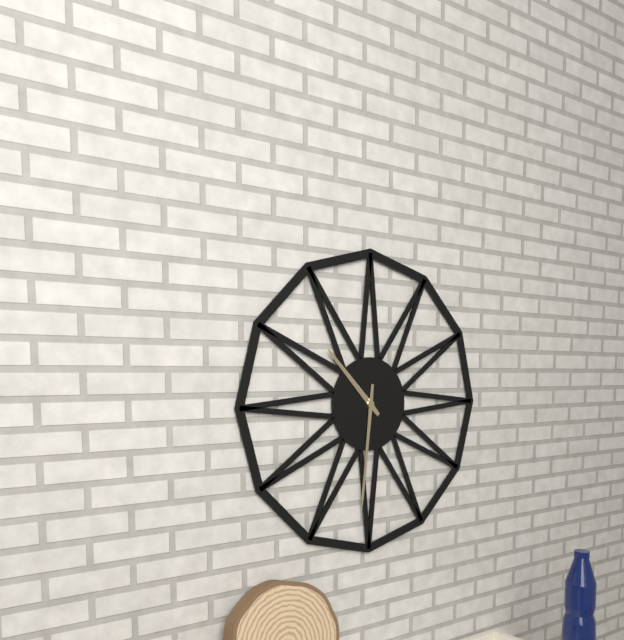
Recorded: h=10 m=31
